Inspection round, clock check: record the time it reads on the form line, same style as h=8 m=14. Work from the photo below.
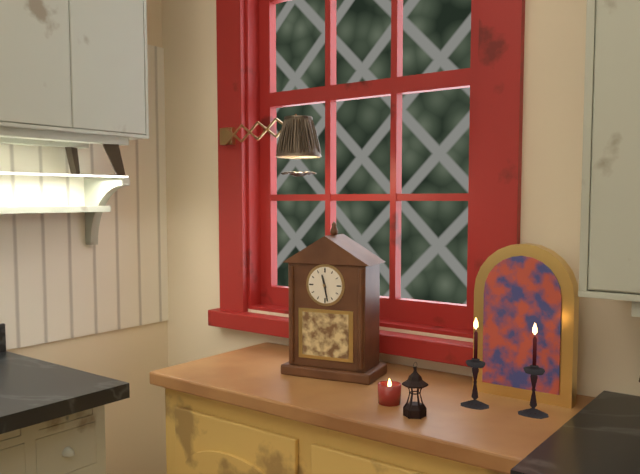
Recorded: h=11 m=28
